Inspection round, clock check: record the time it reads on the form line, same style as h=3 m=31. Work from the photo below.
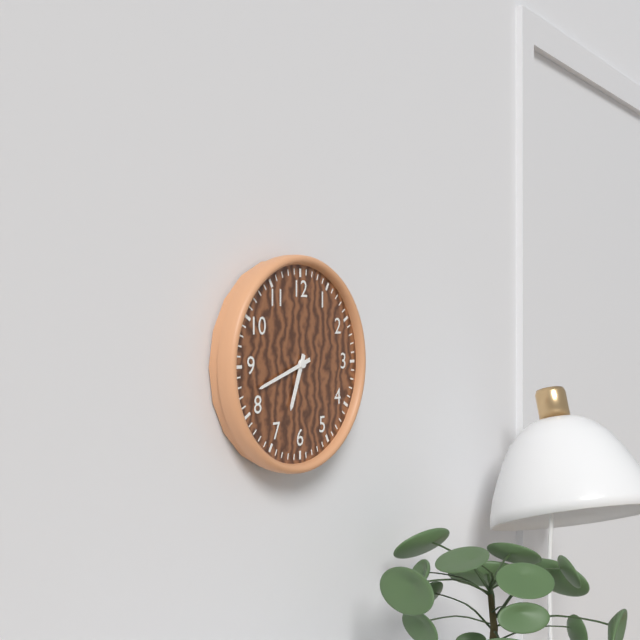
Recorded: h=6 m=42
